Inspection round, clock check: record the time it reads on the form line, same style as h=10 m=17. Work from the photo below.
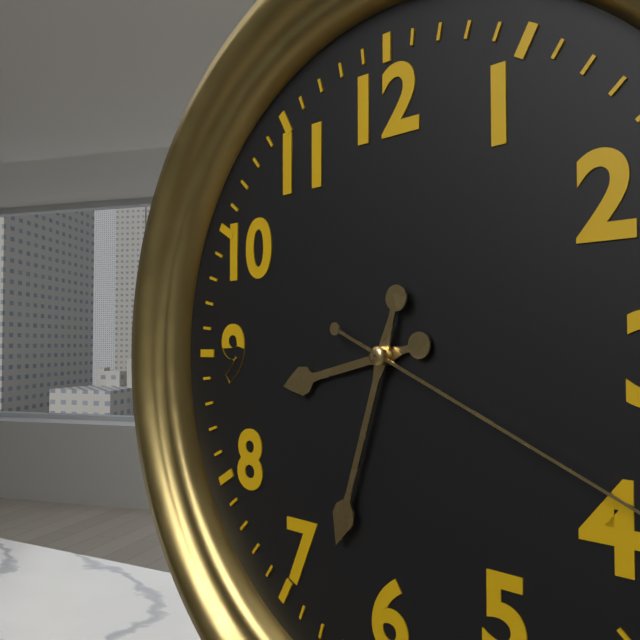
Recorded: h=8 m=33
